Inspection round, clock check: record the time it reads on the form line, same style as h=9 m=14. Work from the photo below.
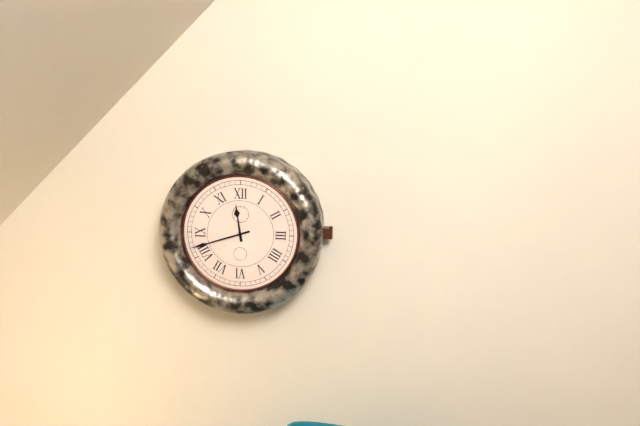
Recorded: h=11 m=42
